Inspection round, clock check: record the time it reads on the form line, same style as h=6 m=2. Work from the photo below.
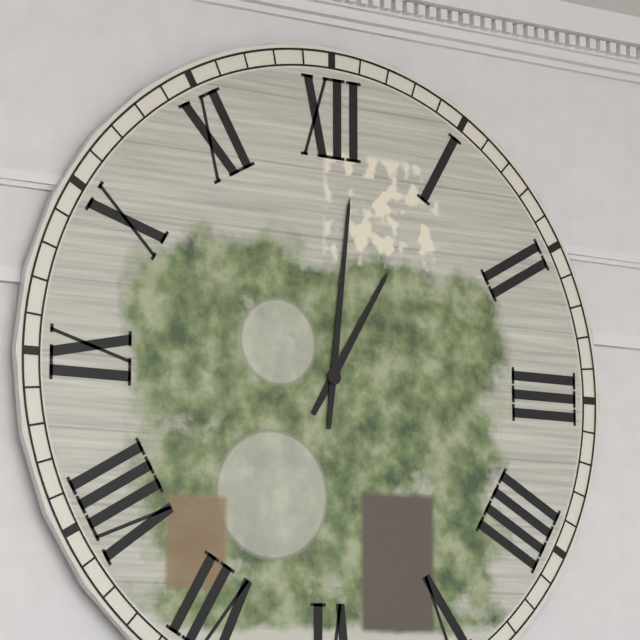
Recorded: h=1 m=1
